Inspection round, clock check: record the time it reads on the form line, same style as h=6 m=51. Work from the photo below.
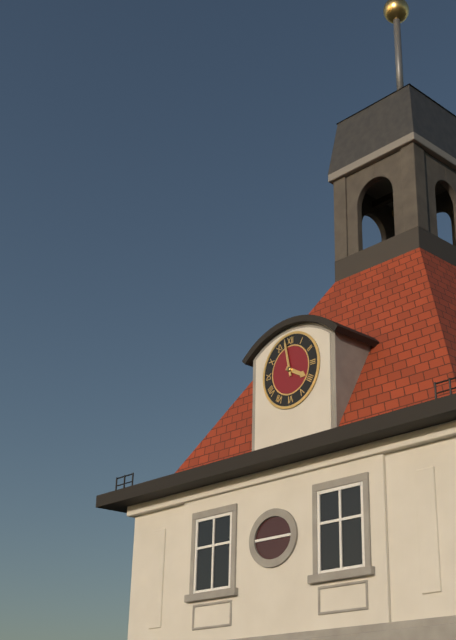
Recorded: h=3 m=58
